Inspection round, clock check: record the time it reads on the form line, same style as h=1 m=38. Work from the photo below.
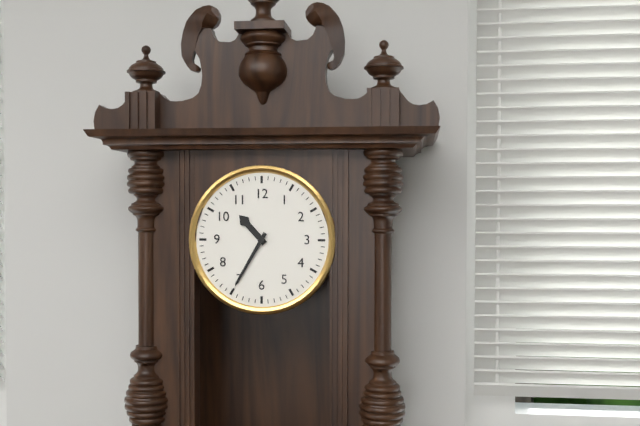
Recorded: h=10 m=35
